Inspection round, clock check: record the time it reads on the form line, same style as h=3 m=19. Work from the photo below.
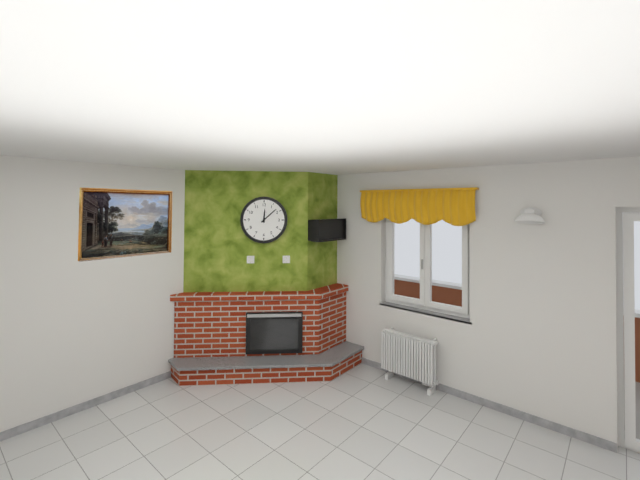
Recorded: h=12 m=8
